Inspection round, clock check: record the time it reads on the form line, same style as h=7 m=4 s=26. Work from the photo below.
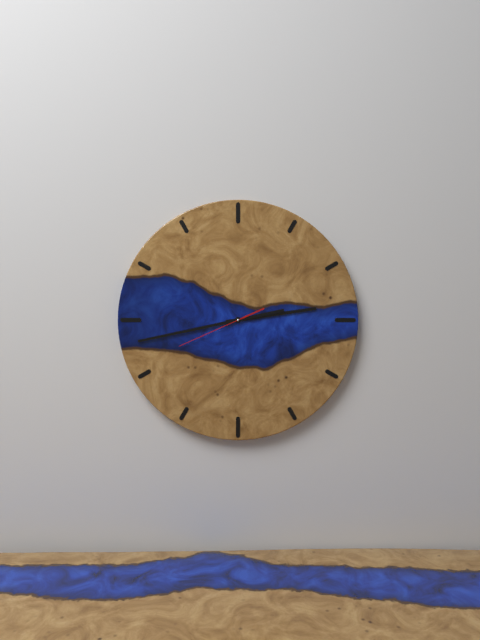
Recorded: h=2 m=43 s=41
